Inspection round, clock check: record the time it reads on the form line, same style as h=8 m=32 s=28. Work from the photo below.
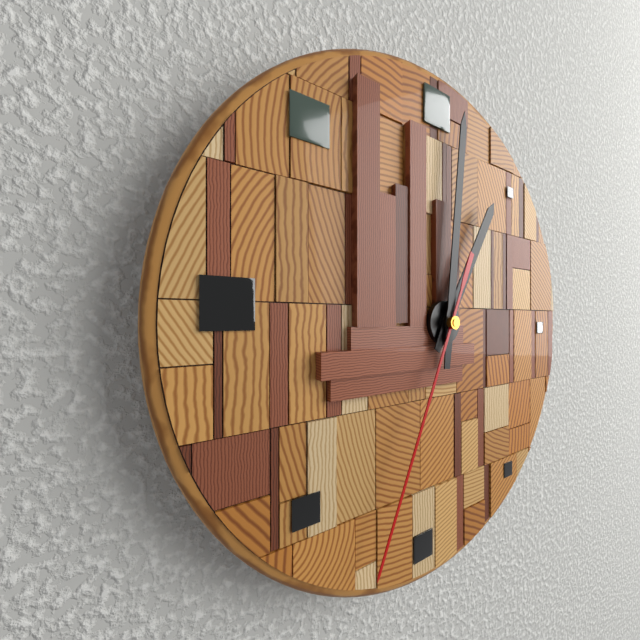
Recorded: h=1 m=1 s=34
